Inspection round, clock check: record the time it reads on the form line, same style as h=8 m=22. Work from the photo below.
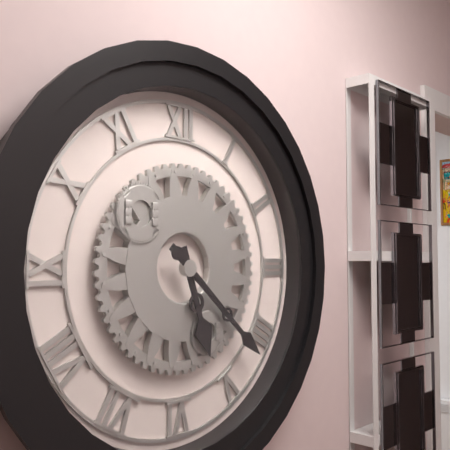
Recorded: h=5 m=22
